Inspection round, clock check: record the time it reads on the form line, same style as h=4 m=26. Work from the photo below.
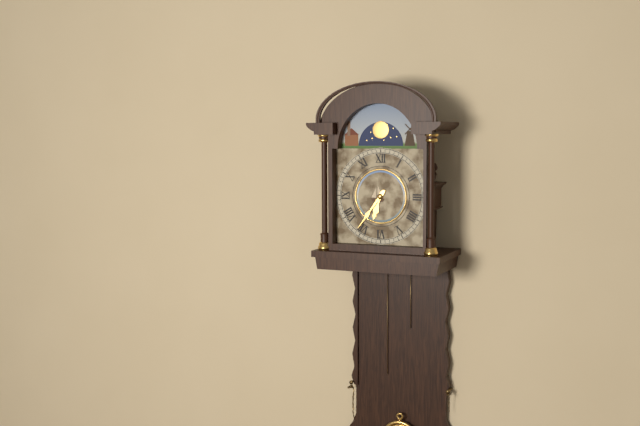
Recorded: h=6 m=36
